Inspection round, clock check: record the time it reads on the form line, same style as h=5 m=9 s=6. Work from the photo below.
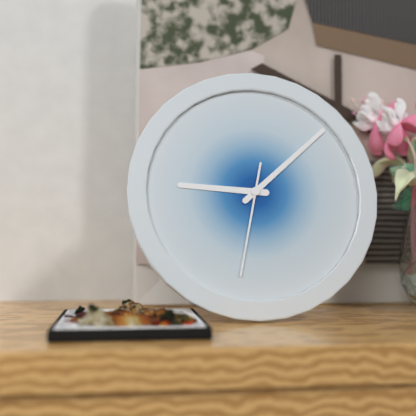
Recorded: h=9 m=8 s=32
